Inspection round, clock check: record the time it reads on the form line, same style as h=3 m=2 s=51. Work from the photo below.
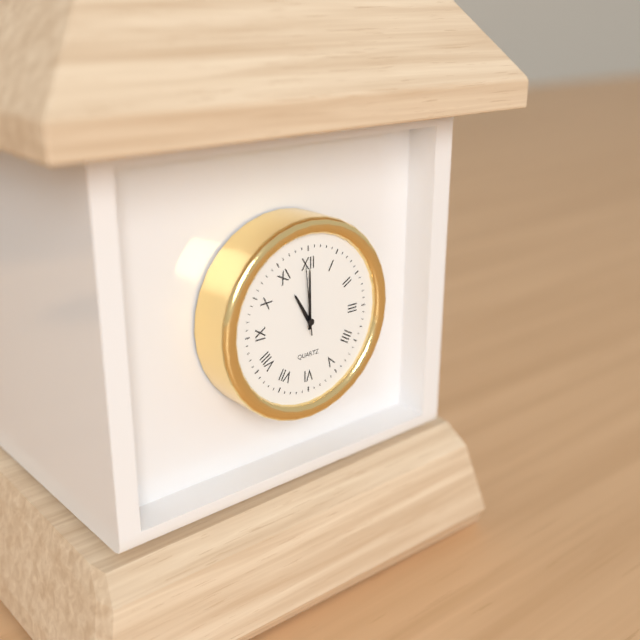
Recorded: h=11 m=0 s=59
